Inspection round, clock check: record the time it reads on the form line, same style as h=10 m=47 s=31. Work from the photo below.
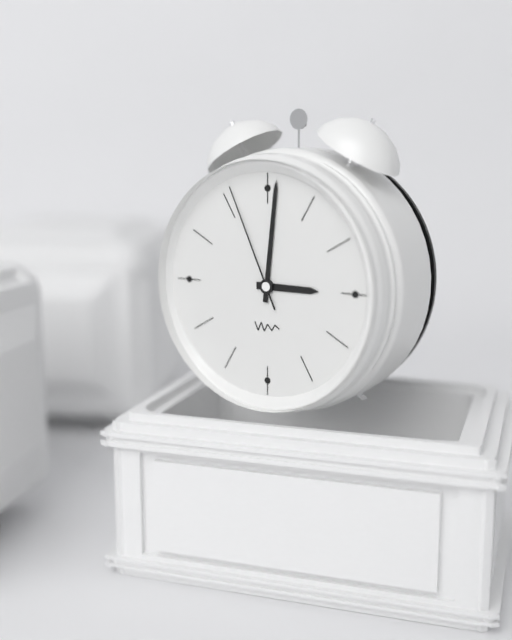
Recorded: h=3 m=1 s=56
